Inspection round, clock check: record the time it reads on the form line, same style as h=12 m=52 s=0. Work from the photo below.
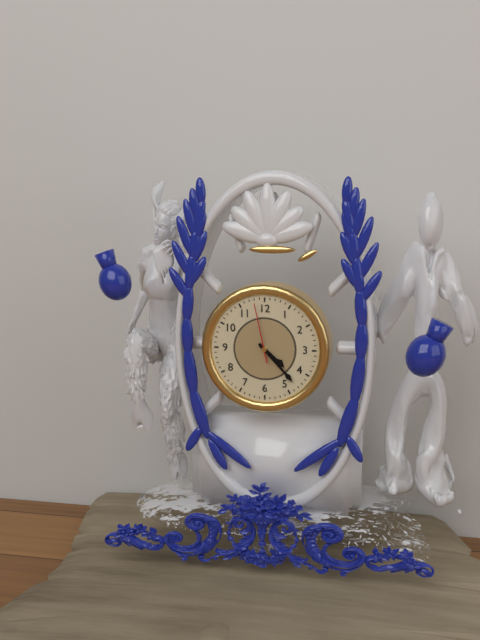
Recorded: h=4 m=23 s=58
